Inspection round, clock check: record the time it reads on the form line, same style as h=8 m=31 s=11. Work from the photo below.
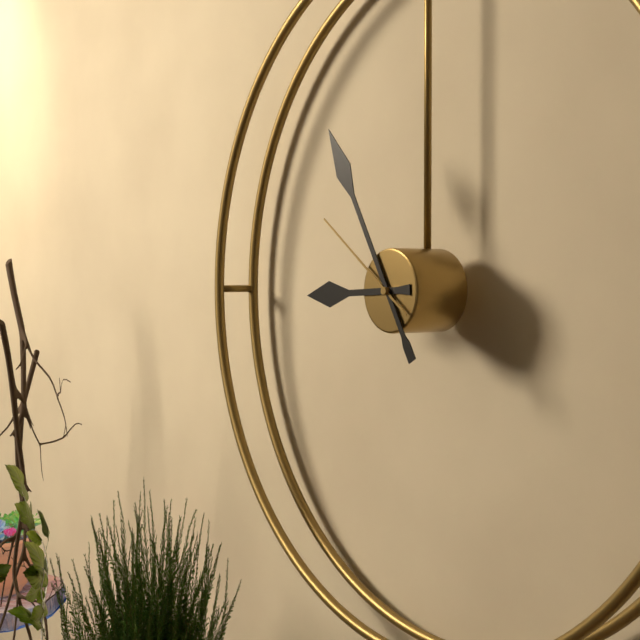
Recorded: h=8 m=55 s=51
